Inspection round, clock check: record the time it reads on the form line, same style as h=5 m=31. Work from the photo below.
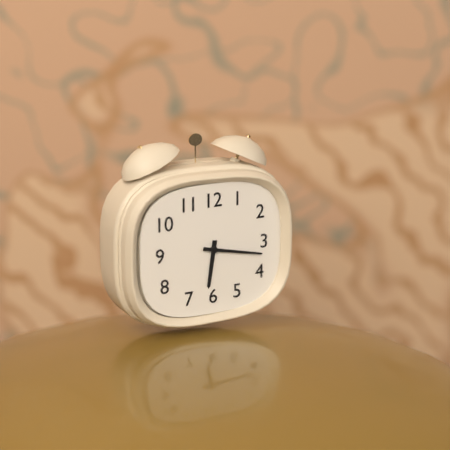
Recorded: h=6 m=17
